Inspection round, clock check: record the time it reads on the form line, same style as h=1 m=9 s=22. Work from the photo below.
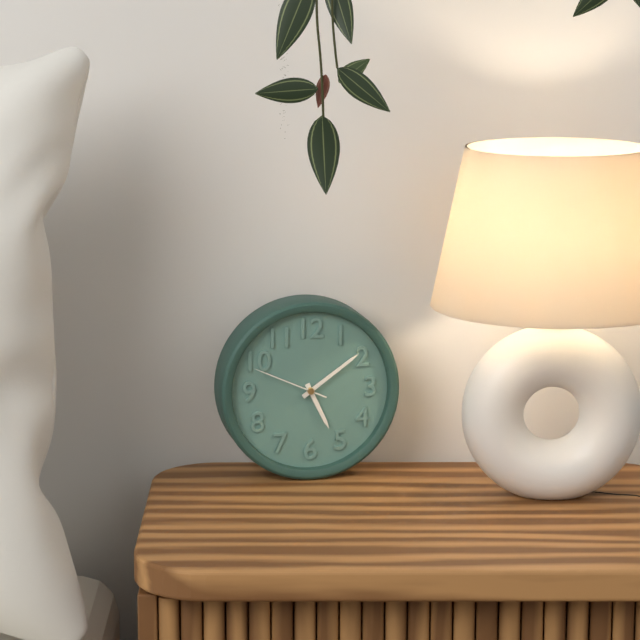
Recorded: h=5 m=9 s=49
